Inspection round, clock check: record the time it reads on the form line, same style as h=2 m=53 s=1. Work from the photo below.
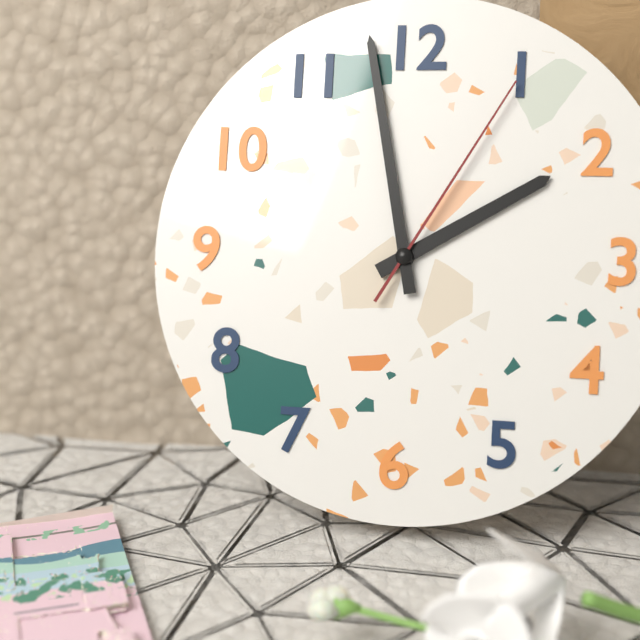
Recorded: h=1 m=58 s=5
